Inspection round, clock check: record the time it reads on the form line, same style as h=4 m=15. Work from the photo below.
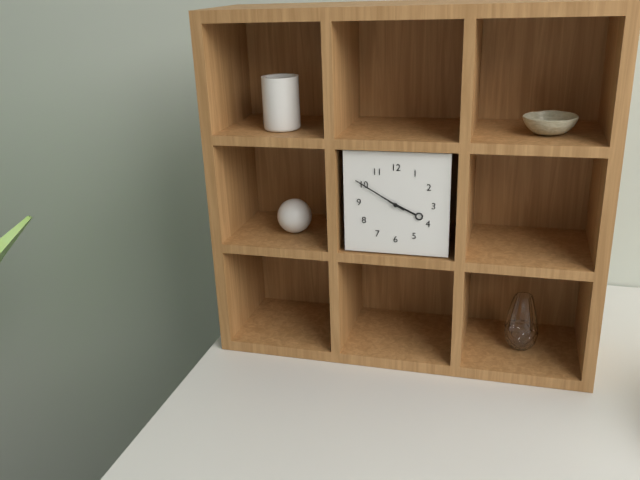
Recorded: h=3 m=50
